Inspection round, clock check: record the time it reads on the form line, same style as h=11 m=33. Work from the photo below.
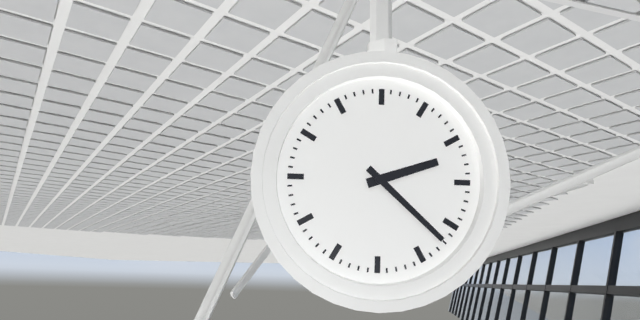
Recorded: h=2 m=22
